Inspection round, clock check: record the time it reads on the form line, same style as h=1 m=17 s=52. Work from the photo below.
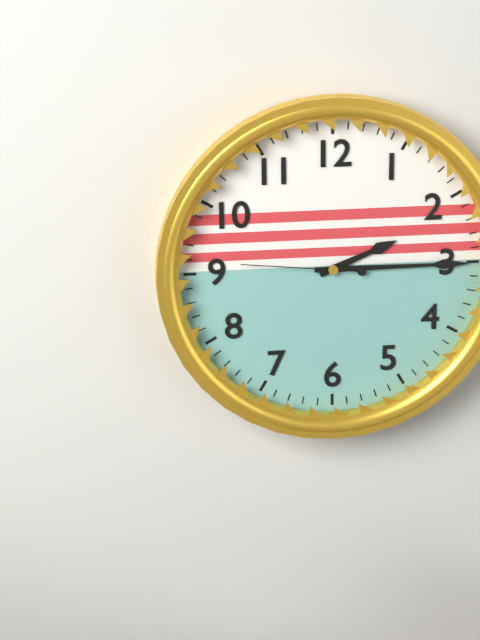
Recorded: h=2 m=15 s=46
